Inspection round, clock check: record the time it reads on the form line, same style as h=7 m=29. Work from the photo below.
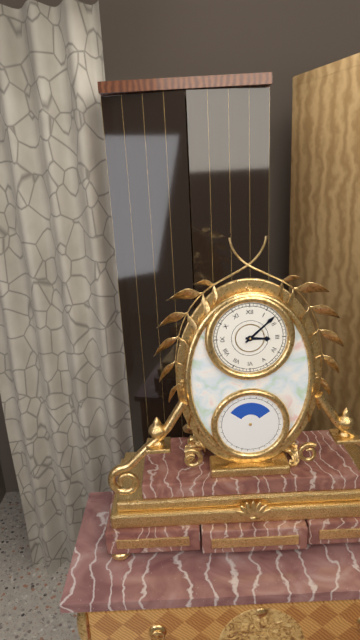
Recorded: h=3 m=8
